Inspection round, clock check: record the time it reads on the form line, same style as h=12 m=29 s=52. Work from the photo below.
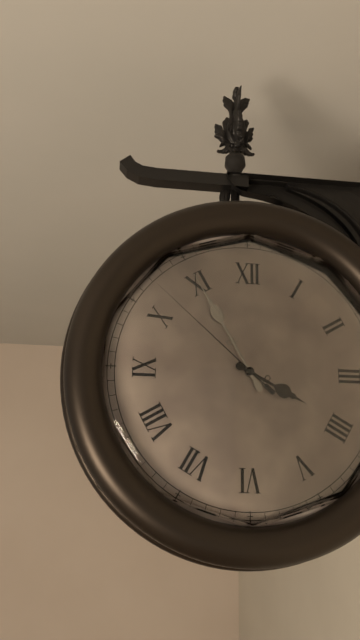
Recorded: h=3 m=55 s=52
